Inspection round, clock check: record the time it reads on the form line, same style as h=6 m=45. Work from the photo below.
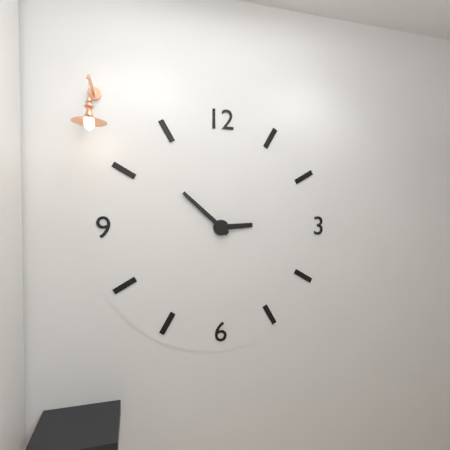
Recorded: h=2 m=52
